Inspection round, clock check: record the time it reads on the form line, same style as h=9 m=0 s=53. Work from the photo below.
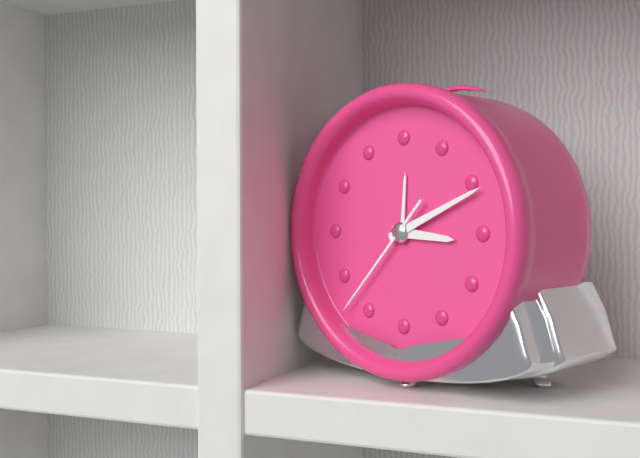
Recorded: h=3 m=11 s=37
